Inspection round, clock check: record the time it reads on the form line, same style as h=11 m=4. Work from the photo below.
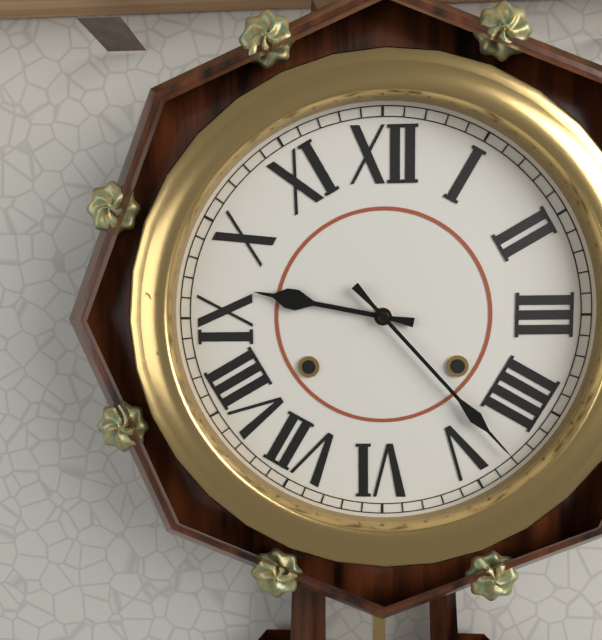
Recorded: h=9 m=23
